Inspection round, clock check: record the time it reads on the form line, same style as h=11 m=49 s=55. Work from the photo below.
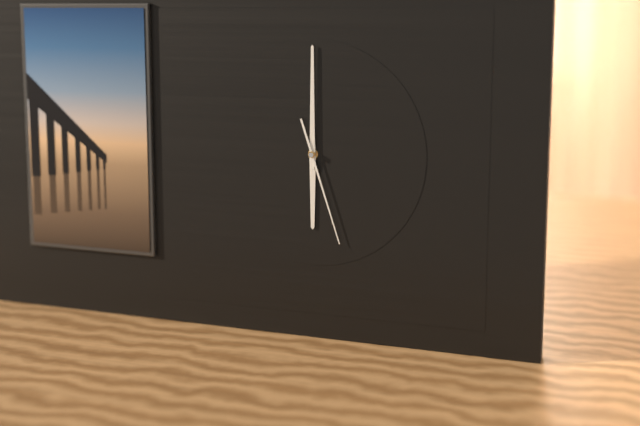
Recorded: h=6 m=0 s=27
